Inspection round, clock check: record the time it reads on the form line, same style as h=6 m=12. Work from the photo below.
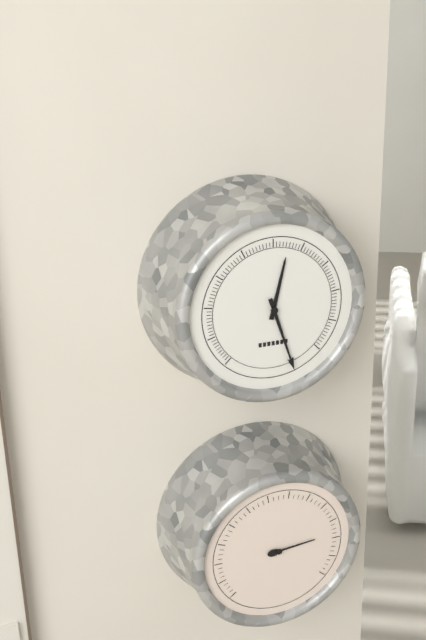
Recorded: h=12 m=27
